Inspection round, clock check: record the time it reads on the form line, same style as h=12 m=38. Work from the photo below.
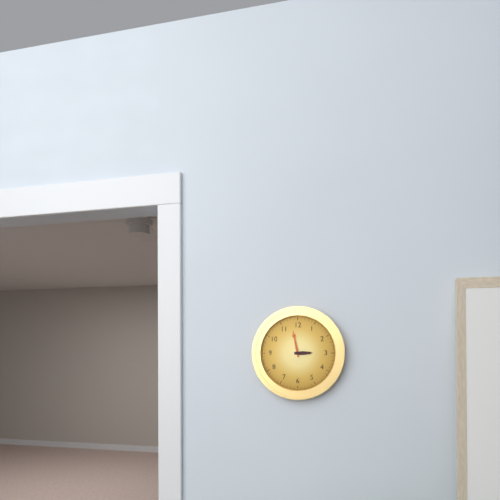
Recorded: h=2 m=58
